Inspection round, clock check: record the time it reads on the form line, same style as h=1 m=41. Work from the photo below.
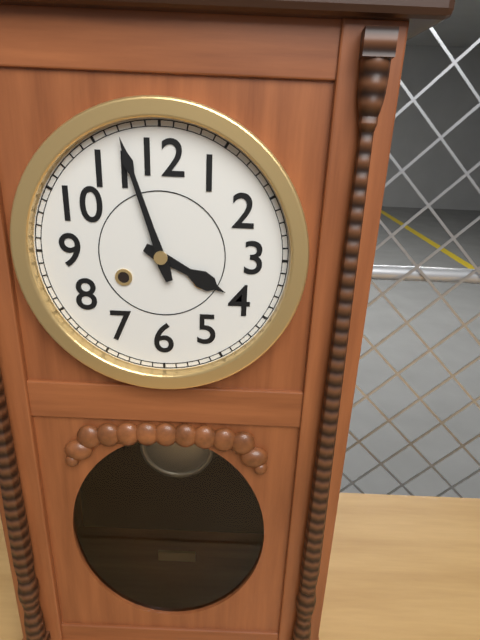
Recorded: h=3 m=57
